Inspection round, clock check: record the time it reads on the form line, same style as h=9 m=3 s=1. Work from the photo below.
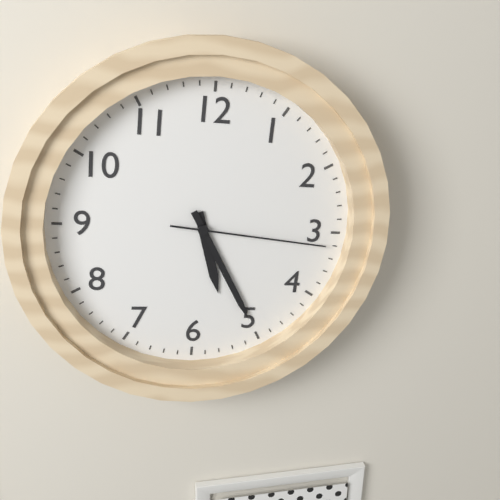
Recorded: h=5 m=25 s=16
